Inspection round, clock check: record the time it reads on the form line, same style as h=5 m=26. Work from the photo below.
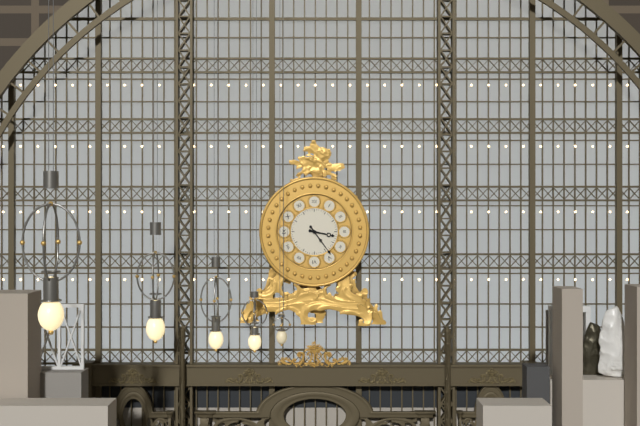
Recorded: h=3 m=24
